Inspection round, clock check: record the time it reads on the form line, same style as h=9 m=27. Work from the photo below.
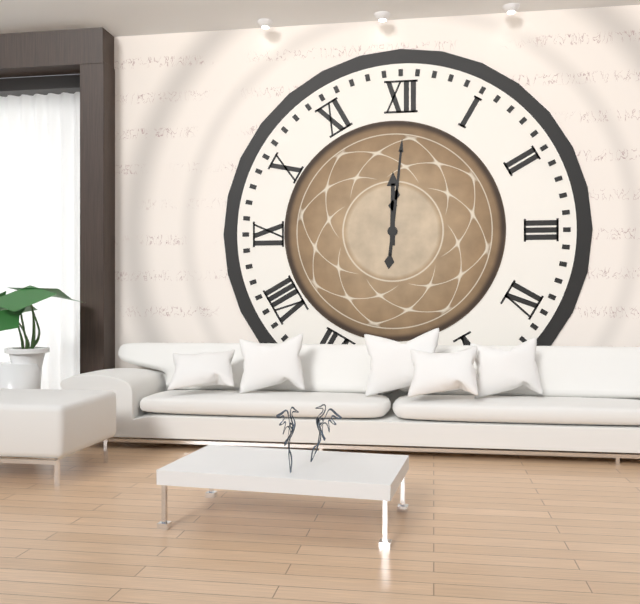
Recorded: h=12 m=1
